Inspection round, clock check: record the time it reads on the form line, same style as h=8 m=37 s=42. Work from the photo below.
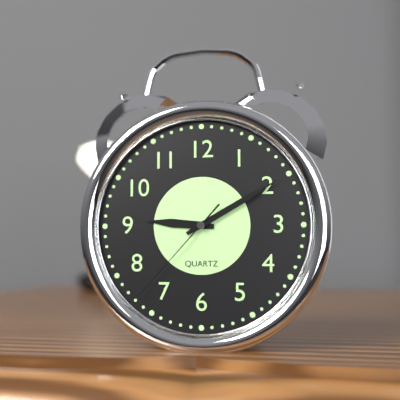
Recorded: h=9 m=10 s=37
